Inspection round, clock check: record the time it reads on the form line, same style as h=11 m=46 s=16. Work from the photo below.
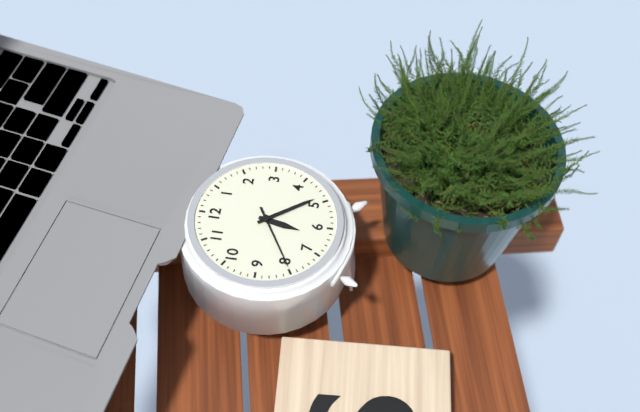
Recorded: h=6 m=24 s=40
